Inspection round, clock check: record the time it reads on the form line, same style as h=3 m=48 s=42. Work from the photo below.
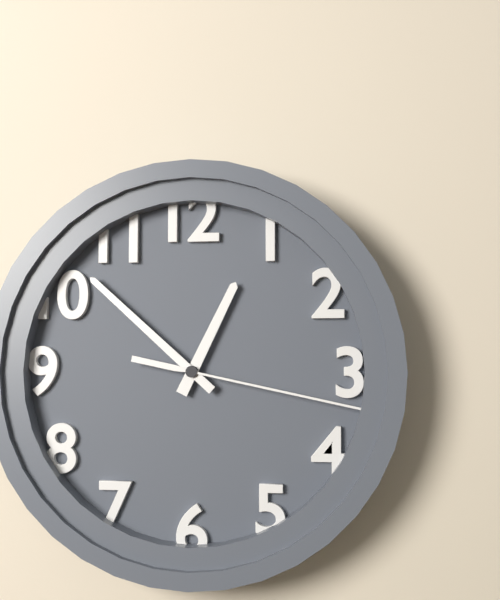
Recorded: h=12 m=52 s=17
